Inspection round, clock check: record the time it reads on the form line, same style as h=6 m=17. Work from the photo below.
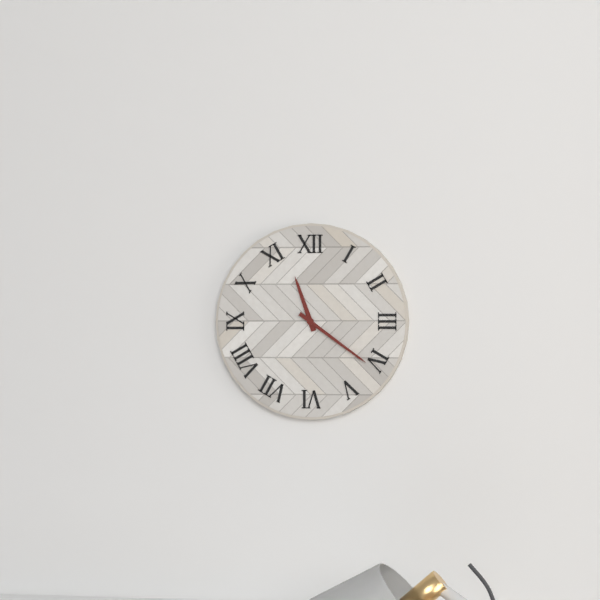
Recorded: h=11 m=21
